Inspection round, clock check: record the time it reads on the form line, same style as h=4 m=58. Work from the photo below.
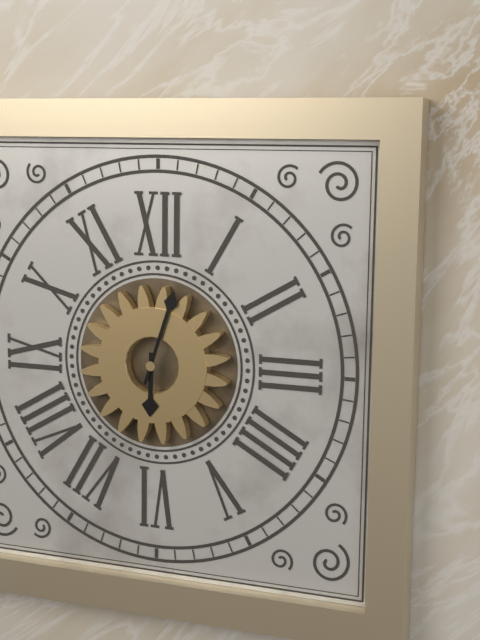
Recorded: h=6 m=3
